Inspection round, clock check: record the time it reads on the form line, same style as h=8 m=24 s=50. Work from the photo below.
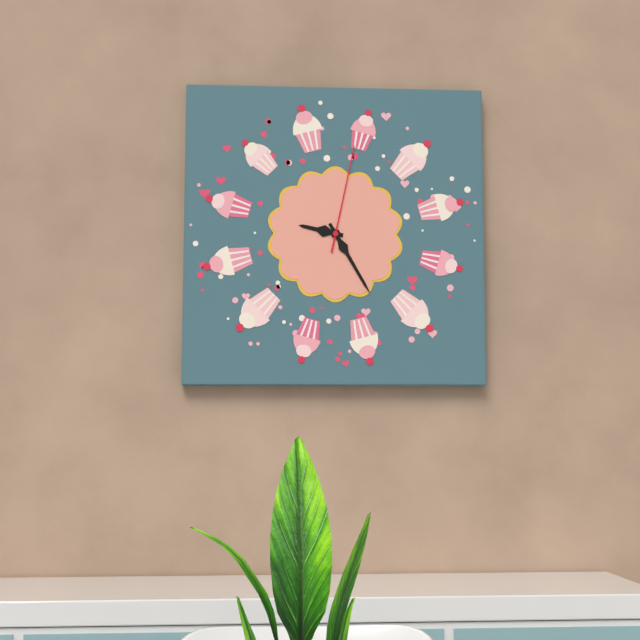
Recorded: h=9 m=25 s=2
